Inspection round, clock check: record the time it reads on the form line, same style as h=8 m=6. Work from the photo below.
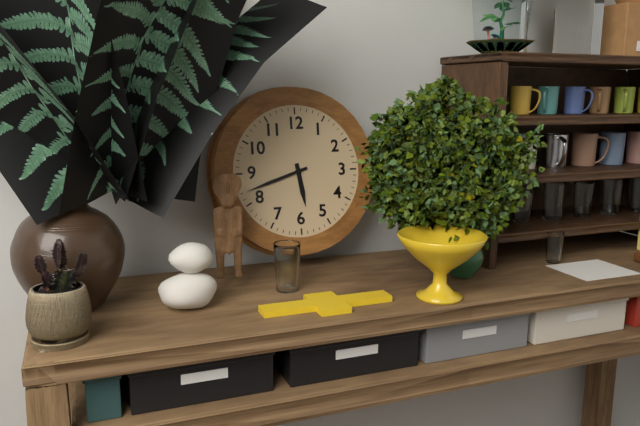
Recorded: h=5 m=42
